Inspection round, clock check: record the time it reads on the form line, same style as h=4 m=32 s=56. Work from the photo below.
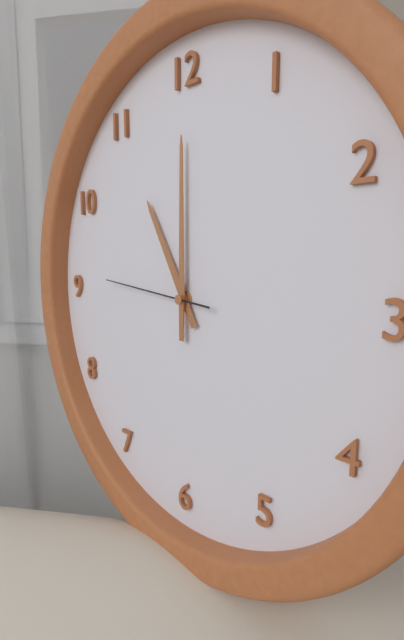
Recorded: h=11 m=0 s=46
